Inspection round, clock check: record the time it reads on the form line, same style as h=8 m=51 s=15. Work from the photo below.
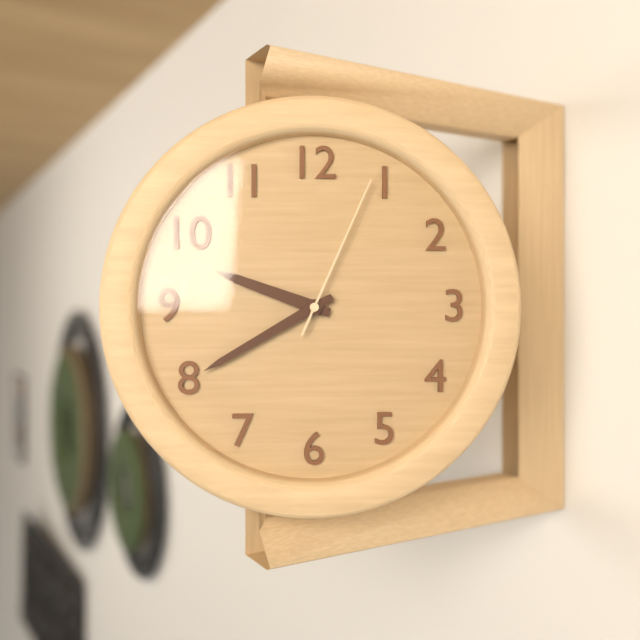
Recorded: h=9 m=40 s=4
